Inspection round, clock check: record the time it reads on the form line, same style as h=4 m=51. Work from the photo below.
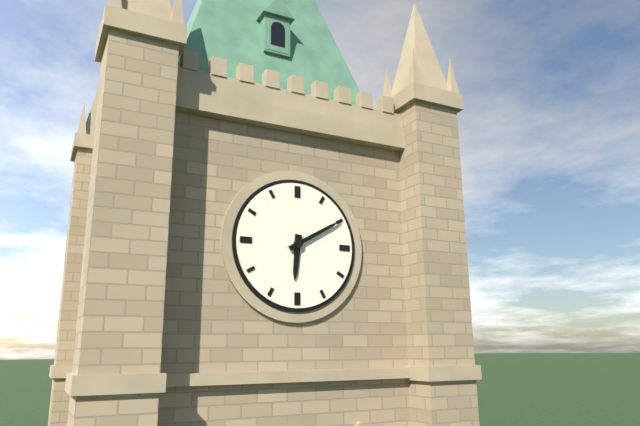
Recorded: h=6 m=10
